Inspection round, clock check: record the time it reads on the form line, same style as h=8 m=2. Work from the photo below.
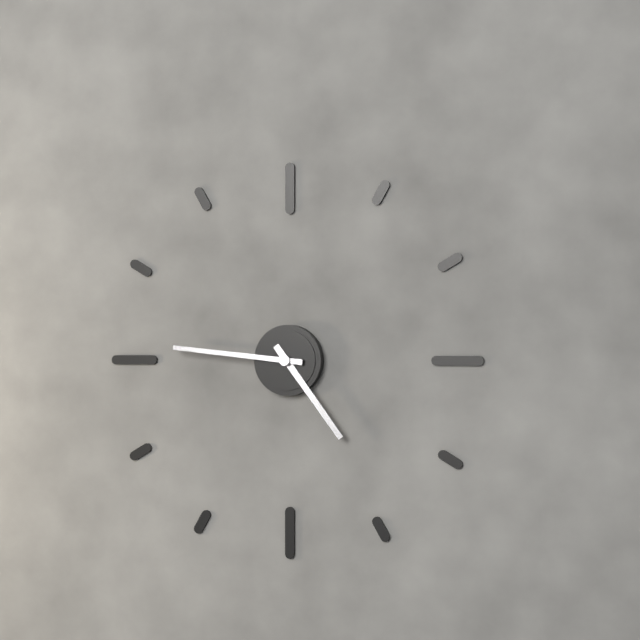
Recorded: h=4 m=46
